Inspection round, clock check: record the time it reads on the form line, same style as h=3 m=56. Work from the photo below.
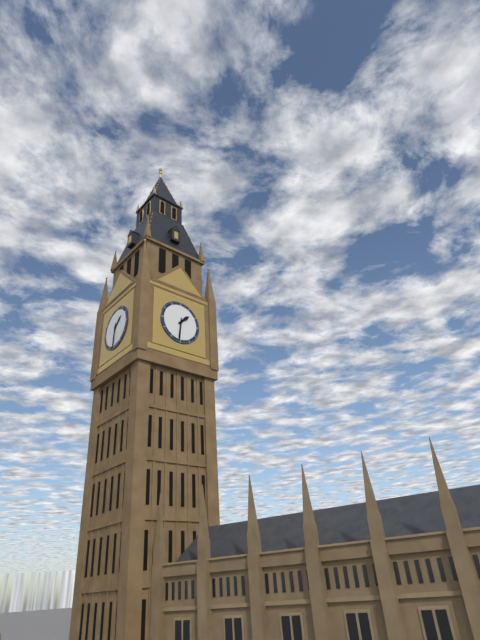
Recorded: h=1 m=31
